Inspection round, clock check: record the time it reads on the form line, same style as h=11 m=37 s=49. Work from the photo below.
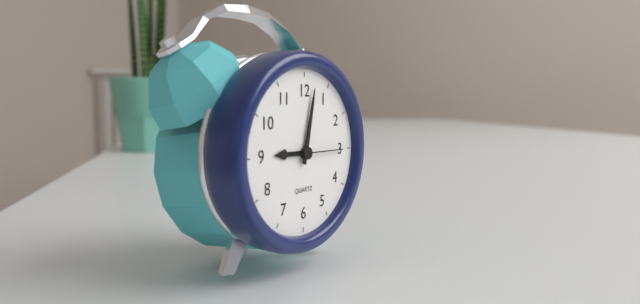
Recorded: h=9 m=2 s=15
